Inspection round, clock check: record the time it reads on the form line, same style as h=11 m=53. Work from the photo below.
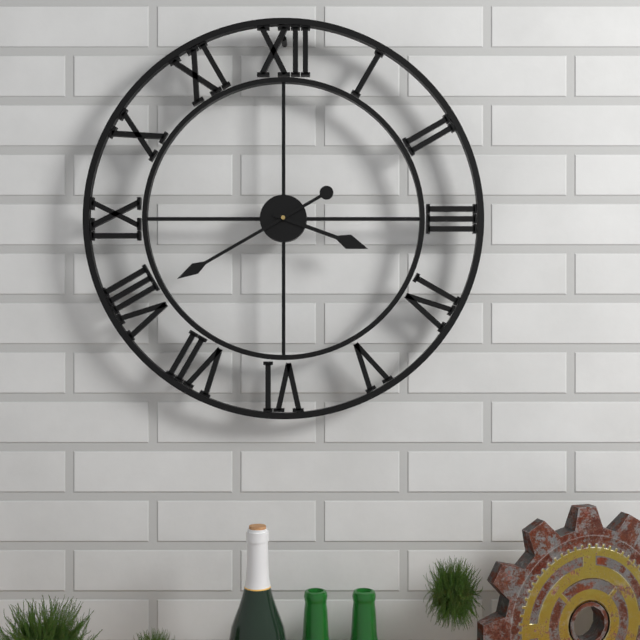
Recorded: h=3 m=40
